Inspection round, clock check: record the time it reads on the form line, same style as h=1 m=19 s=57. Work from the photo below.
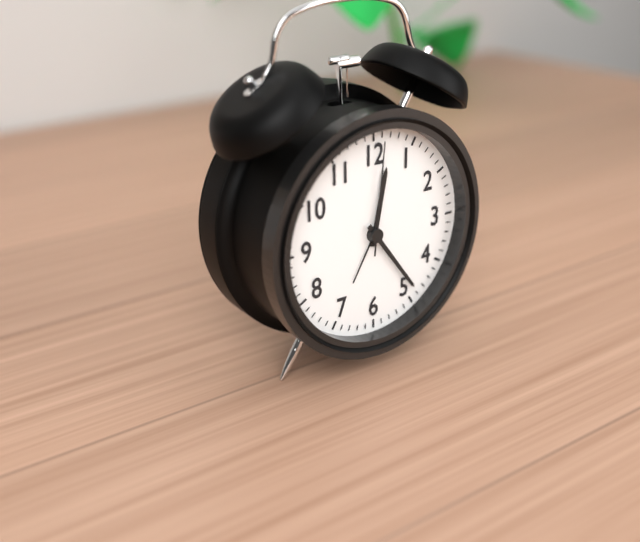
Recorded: h=12 m=24 s=1
